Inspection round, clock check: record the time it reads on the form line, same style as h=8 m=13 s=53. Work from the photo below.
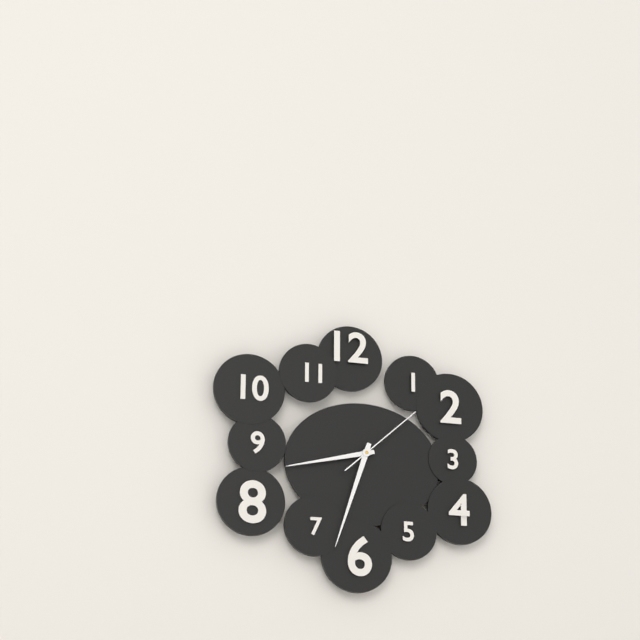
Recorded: h=8 m=33 s=8
